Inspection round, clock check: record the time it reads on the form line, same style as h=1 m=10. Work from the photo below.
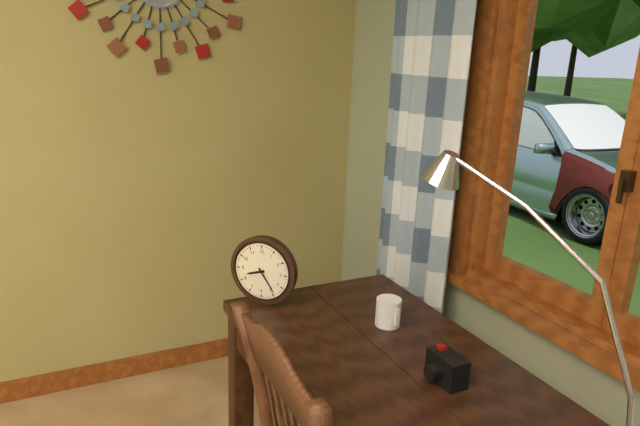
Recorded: h=8 m=24
